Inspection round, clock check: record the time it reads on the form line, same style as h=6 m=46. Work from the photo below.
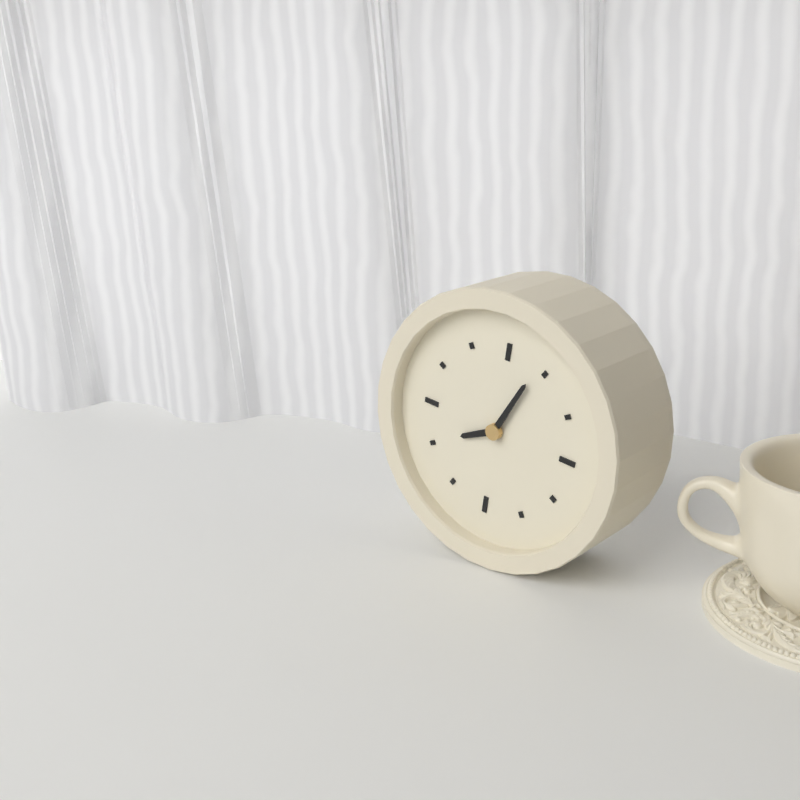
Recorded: h=8 m=4
